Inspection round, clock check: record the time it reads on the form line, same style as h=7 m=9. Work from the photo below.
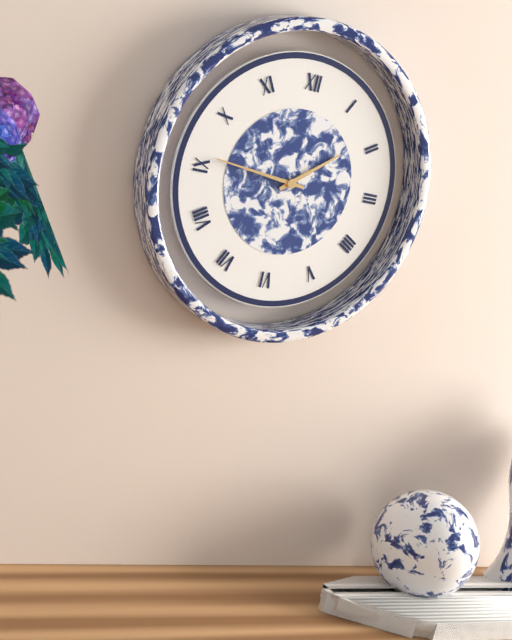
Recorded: h=1 m=46
